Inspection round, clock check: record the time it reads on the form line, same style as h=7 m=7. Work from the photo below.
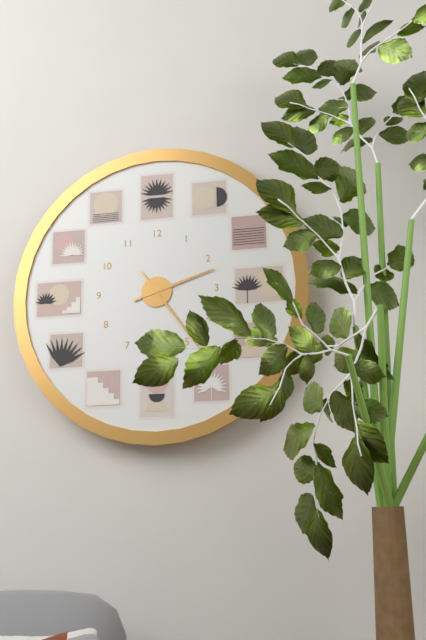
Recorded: h=2 m=24
